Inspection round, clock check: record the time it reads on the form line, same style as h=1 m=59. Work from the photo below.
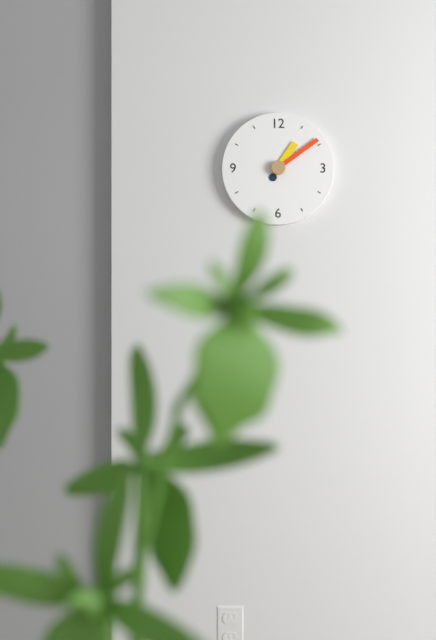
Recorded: h=1 m=9
